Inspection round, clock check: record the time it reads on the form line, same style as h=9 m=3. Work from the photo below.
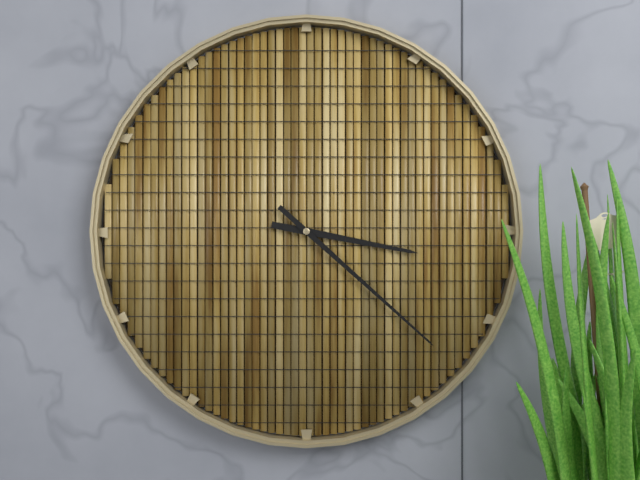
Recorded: h=3 m=22
